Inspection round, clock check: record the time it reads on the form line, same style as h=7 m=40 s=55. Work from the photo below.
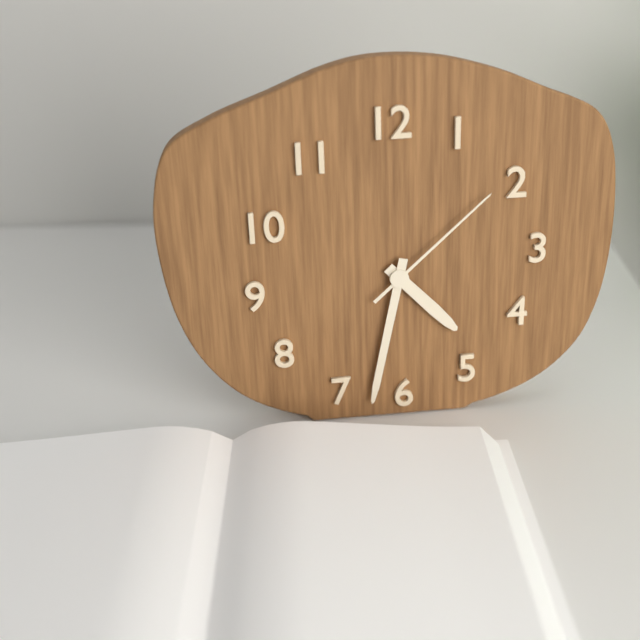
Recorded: h=4 m=32 s=8
